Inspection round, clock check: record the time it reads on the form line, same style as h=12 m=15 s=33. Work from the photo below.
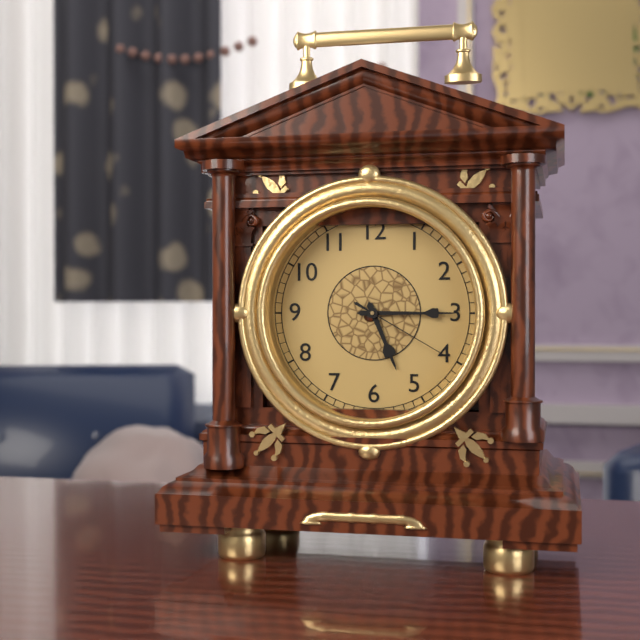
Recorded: h=5 m=15 s=20
